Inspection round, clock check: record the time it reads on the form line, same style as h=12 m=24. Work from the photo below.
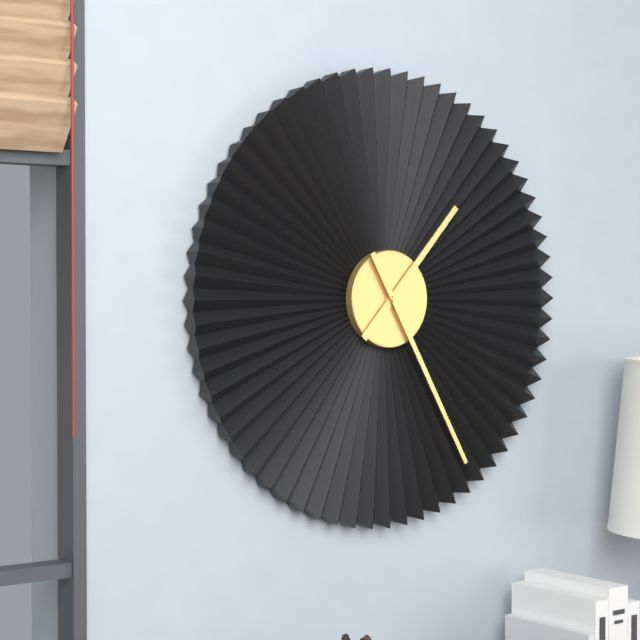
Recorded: h=1 m=25
